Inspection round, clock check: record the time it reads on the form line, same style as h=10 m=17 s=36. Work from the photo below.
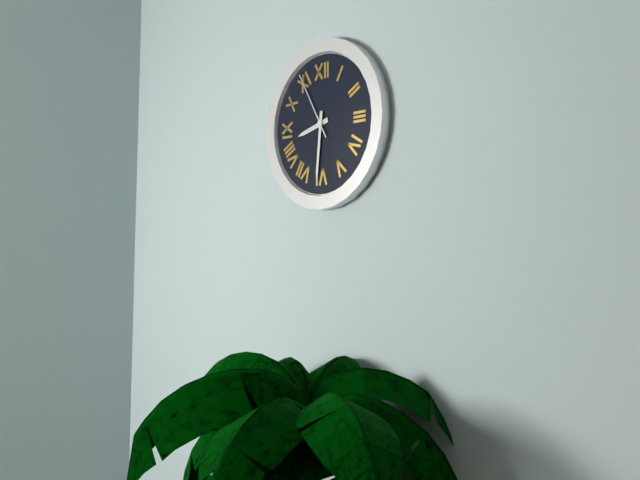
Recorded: h=8 m=31 s=55
